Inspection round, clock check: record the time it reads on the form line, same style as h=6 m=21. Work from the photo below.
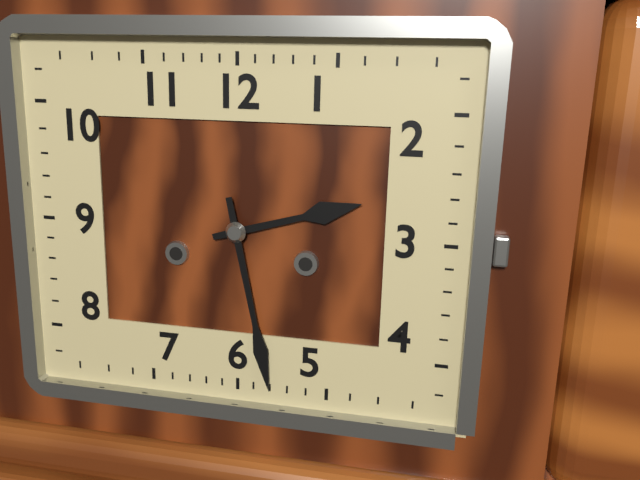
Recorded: h=2 m=28
